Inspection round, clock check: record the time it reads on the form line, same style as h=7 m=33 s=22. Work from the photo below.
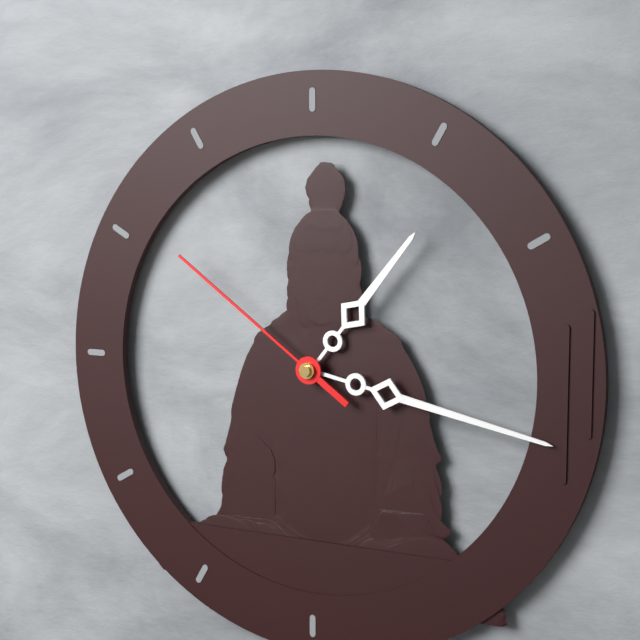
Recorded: h=1 m=17 s=51
